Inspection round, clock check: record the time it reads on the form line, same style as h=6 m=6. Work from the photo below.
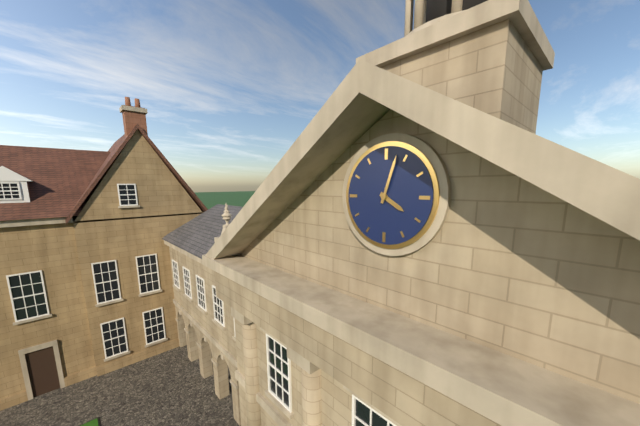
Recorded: h=4 m=3
